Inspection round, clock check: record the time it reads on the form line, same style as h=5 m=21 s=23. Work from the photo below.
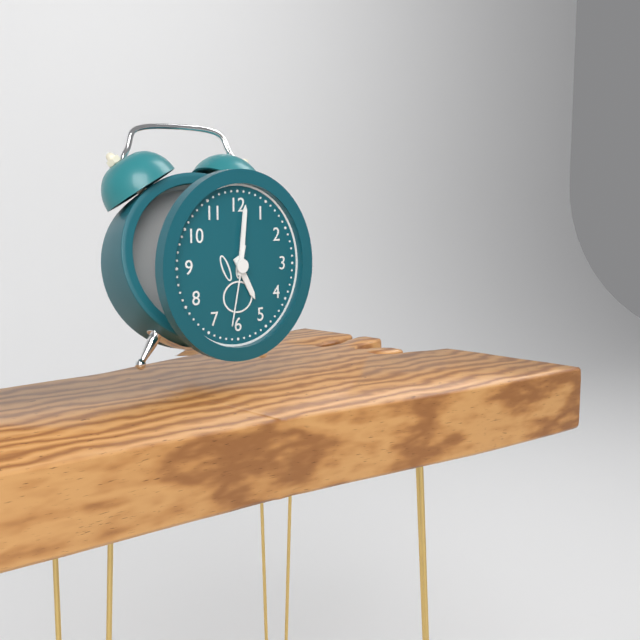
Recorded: h=5 m=1 s=32
